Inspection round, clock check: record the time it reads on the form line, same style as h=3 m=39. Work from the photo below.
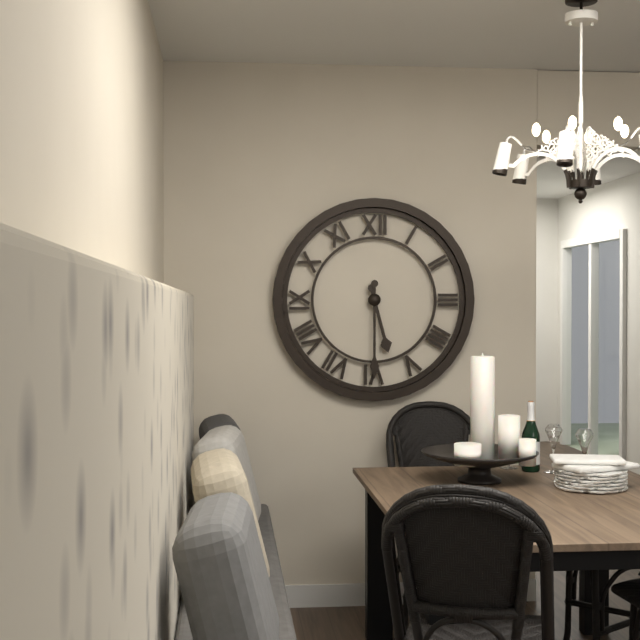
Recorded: h=5 m=30
